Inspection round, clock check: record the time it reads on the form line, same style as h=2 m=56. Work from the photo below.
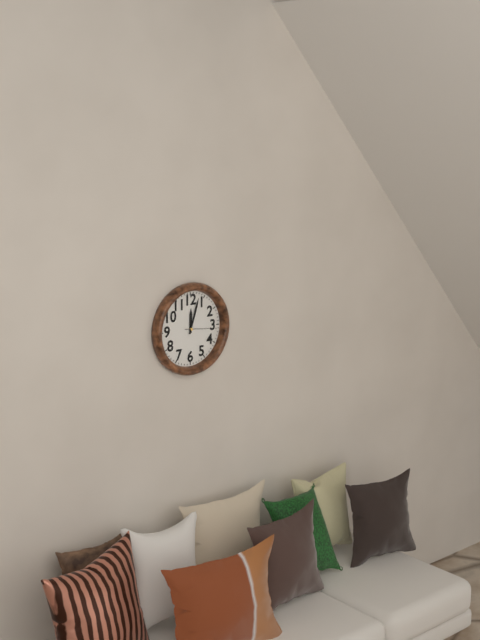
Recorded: h=12 m=3
